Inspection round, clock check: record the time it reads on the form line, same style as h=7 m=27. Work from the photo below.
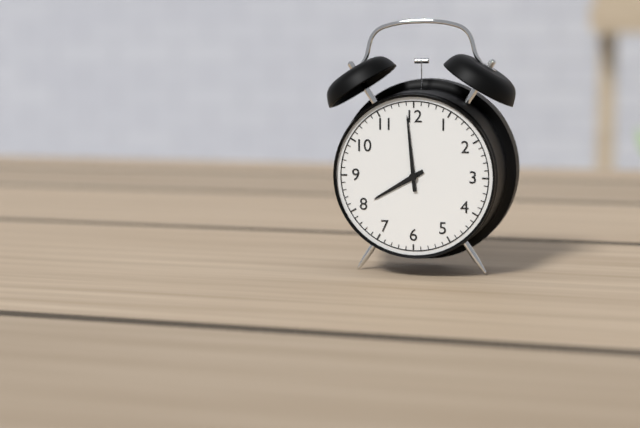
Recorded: h=7 m=59
